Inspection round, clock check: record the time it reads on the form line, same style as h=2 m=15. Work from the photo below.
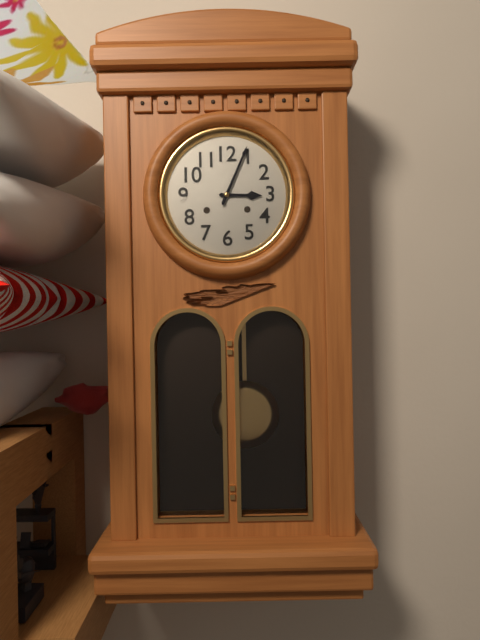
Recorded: h=3 m=4
